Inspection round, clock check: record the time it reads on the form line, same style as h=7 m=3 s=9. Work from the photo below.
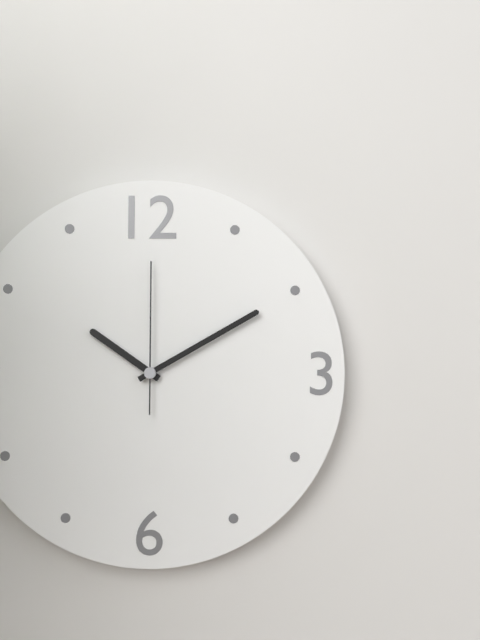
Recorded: h=10 m=10 s=0
